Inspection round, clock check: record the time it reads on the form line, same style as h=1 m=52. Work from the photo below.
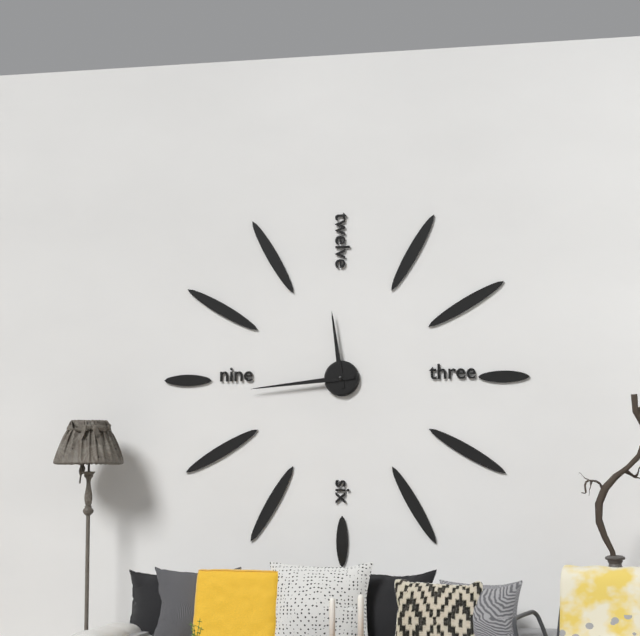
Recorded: h=11 m=44
